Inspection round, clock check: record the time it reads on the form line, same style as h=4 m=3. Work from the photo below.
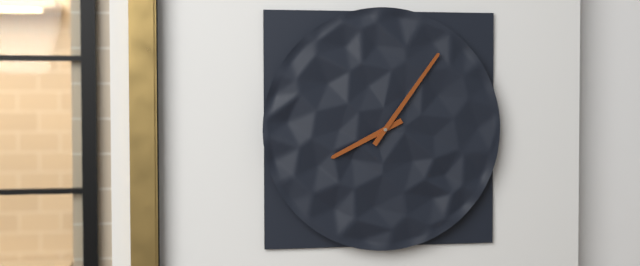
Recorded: h=8 m=6
